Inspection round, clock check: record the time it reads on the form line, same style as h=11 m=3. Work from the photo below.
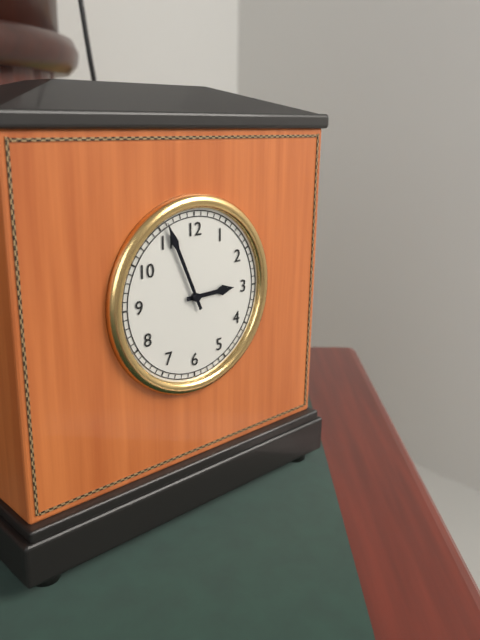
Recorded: h=2 m=56
